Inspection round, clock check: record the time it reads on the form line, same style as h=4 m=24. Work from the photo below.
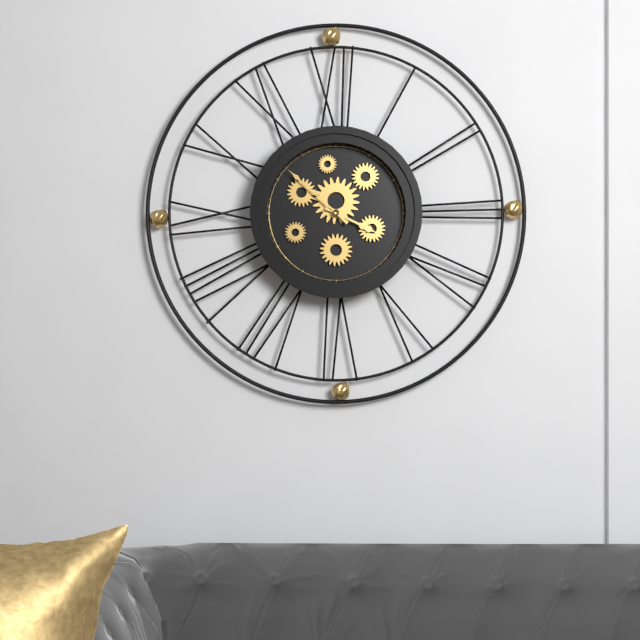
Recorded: h=3 m=52
